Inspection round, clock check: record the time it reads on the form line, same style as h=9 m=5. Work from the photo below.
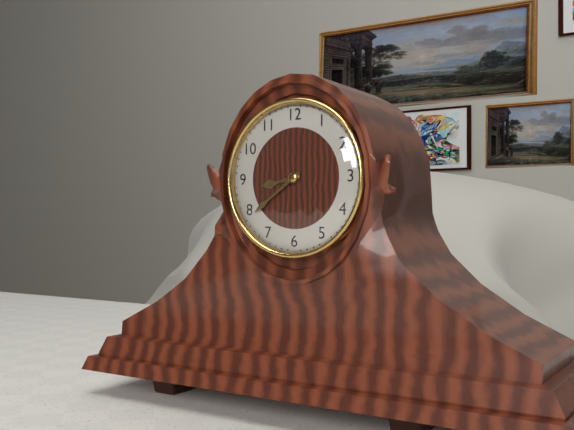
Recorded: h=8 m=39
